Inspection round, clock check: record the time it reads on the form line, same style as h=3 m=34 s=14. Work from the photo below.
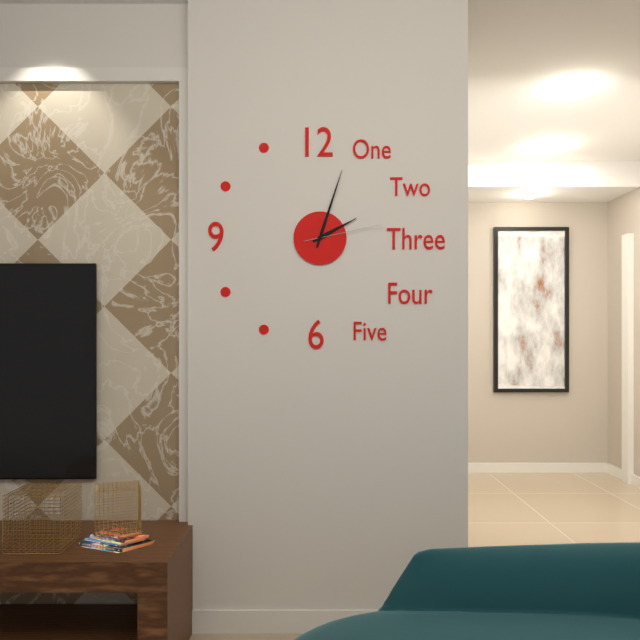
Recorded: h=2 m=3 s=13
